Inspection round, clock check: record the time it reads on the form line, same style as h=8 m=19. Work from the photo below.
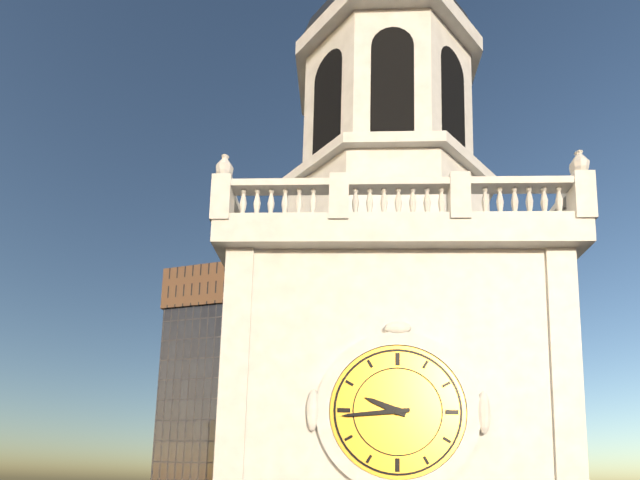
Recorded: h=9 m=44
